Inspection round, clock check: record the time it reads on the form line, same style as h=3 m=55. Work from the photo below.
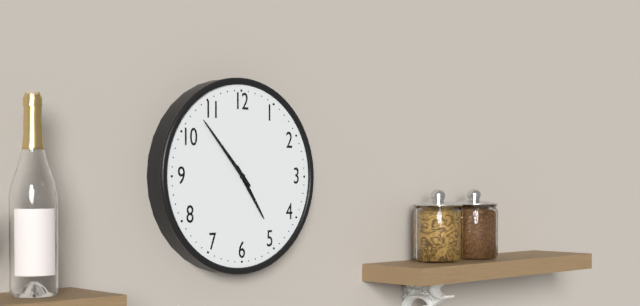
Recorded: h=4 m=53
